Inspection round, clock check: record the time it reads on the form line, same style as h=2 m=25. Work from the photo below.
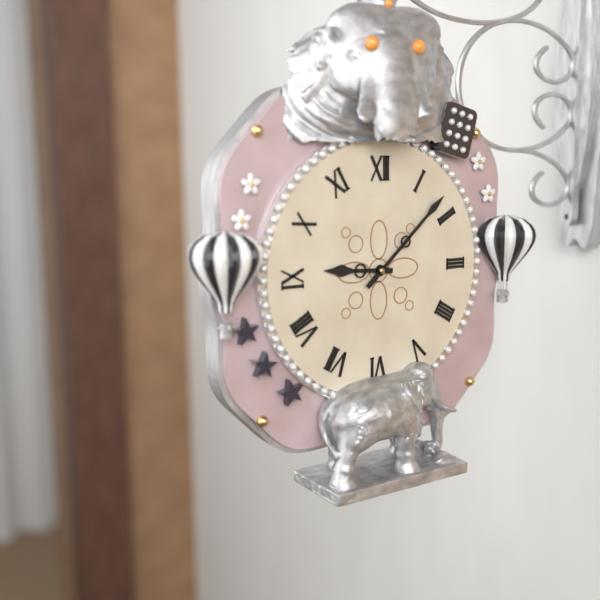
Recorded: h=9 m=8
